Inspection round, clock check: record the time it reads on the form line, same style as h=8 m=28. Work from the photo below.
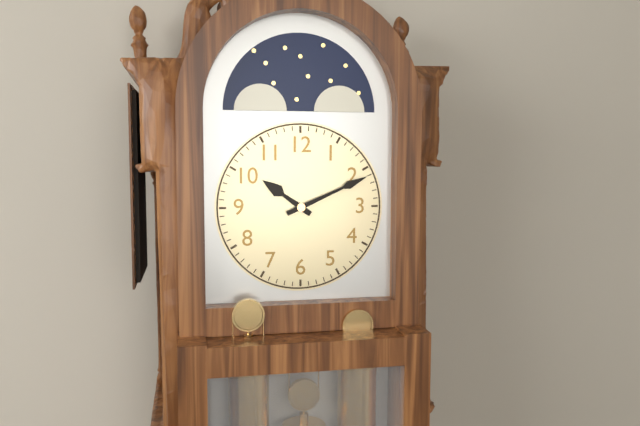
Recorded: h=10 m=11
